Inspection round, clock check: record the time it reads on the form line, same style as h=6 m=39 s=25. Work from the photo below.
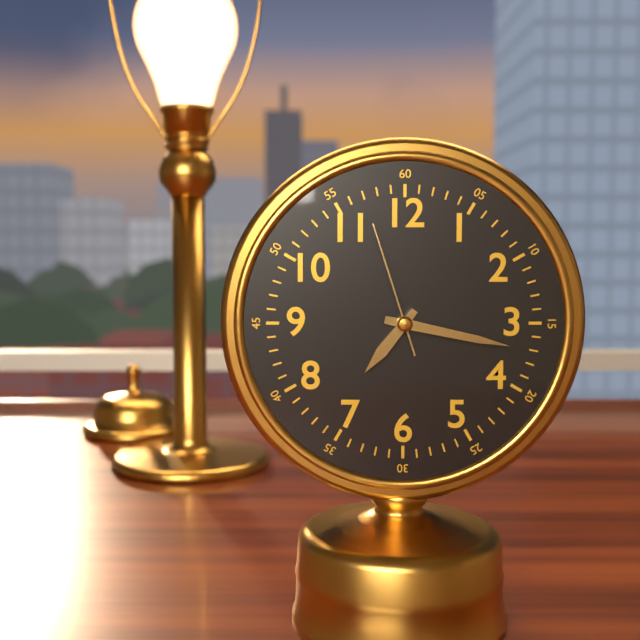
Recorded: h=7 m=17 s=57
